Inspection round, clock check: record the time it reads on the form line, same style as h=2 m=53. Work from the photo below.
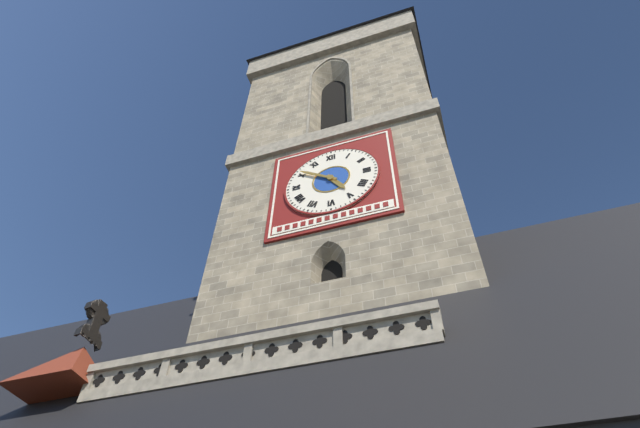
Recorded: h=4 m=51
